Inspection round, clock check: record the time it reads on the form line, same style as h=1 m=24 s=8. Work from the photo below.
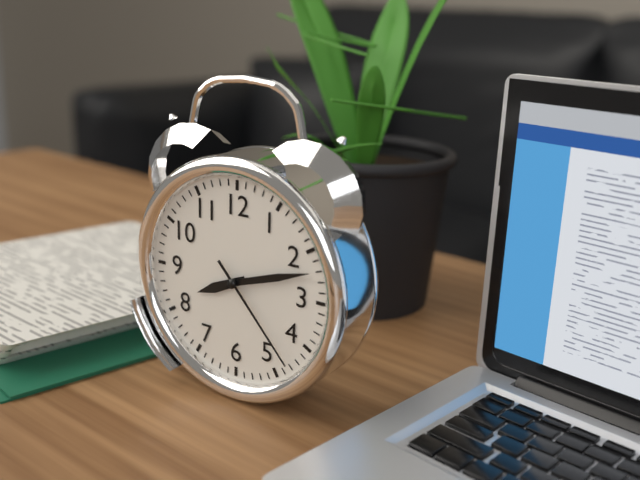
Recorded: h=8 m=12 s=23
